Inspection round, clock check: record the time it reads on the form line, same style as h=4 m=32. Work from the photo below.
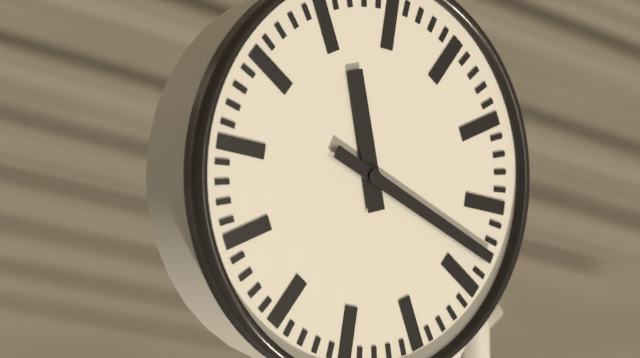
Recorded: h=11 m=18
